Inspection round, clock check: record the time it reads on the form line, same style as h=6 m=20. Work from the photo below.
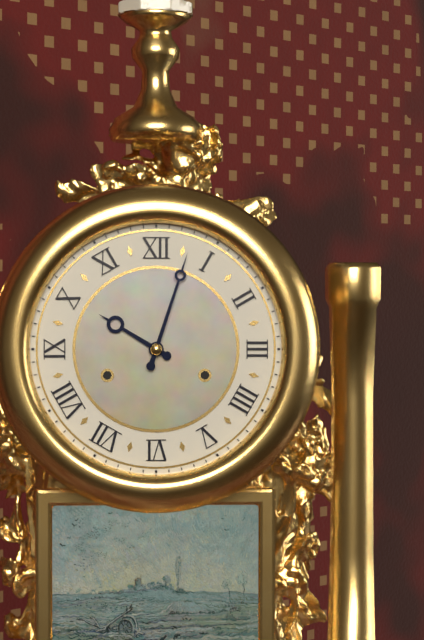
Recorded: h=10 m=3
